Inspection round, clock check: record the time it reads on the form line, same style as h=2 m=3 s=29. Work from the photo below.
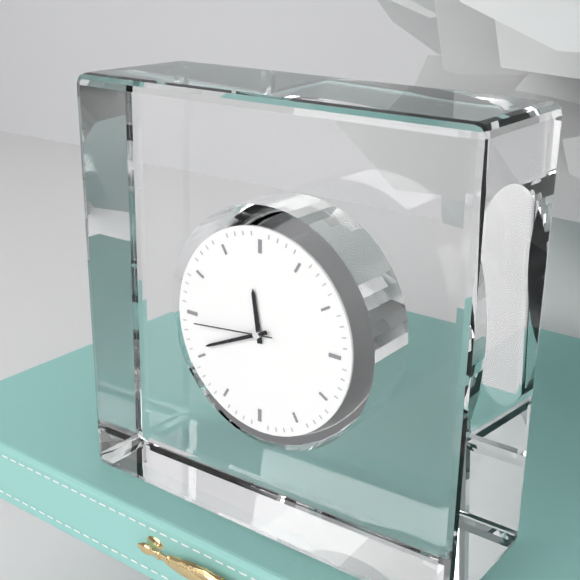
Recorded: h=11 m=41 s=44
